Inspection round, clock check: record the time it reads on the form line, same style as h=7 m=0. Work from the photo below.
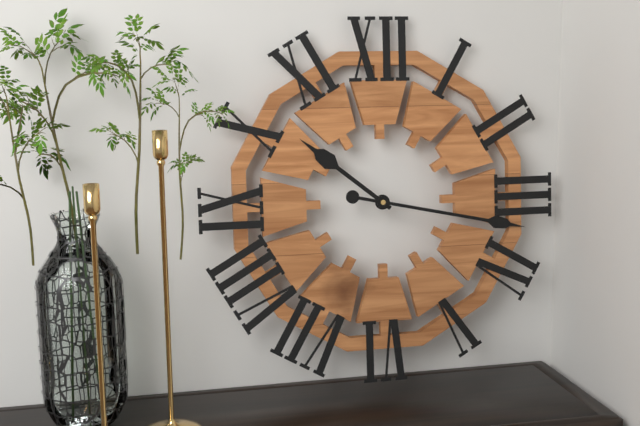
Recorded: h=10 m=17
